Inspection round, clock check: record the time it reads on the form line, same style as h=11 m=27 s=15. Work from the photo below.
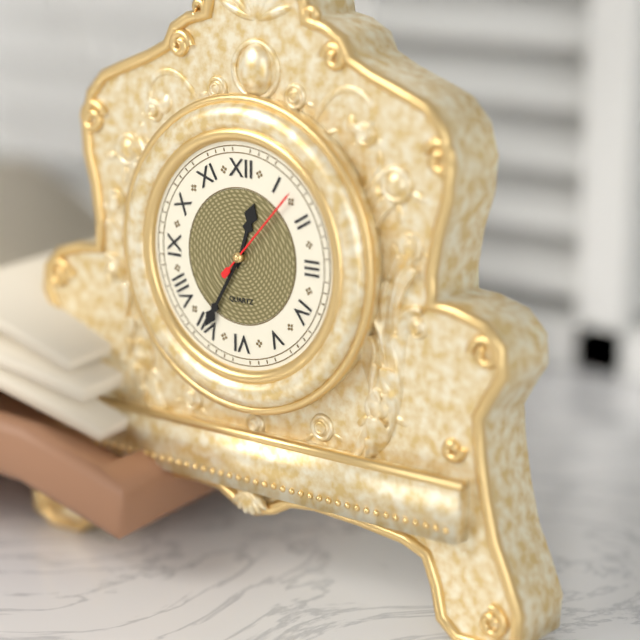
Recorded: h=12 m=35 s=7
